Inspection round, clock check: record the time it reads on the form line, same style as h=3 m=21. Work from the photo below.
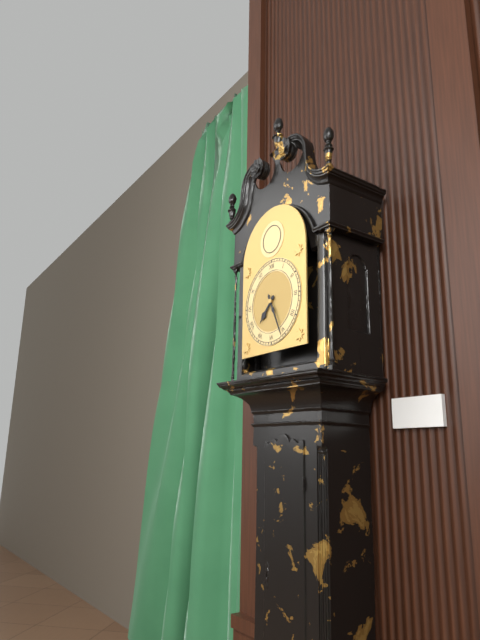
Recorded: h=7 m=26
